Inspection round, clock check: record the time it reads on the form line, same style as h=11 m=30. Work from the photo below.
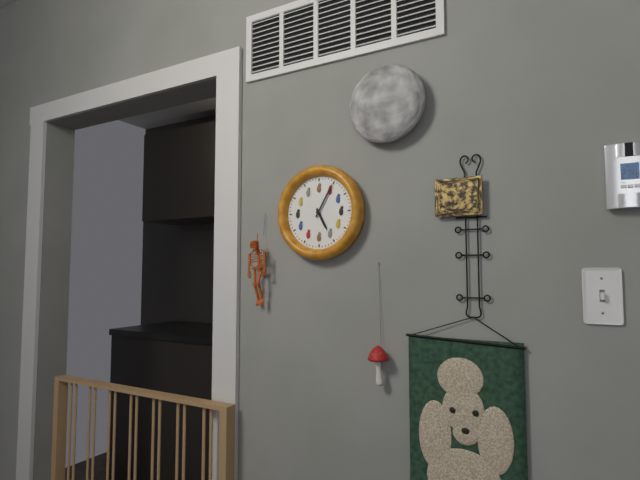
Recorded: h=5 m=5
